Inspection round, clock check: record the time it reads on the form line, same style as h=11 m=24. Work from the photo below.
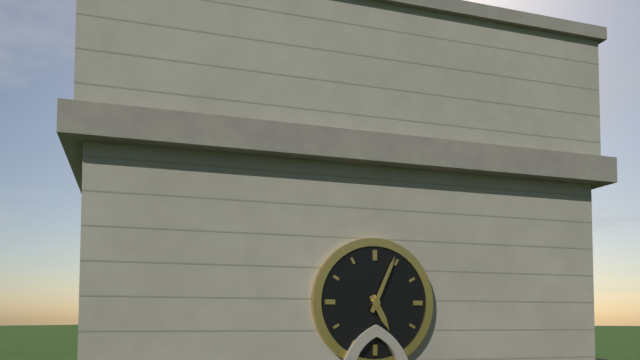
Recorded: h=5 m=4
